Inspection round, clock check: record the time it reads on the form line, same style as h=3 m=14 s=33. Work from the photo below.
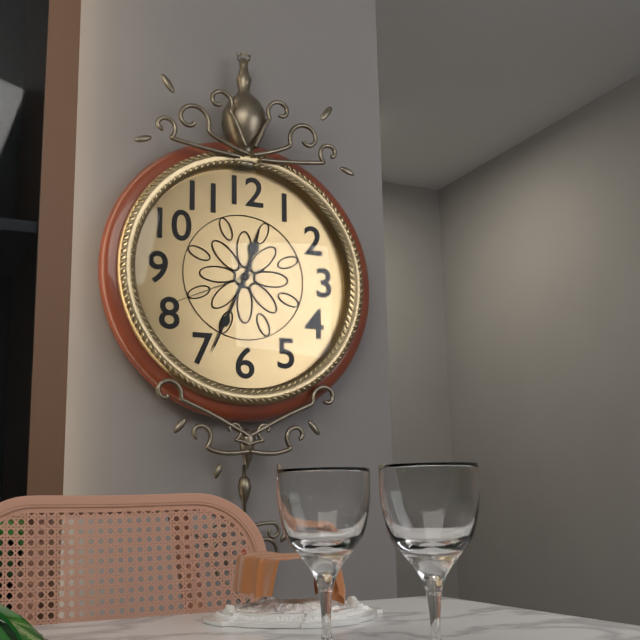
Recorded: h=12 m=34 s=41
